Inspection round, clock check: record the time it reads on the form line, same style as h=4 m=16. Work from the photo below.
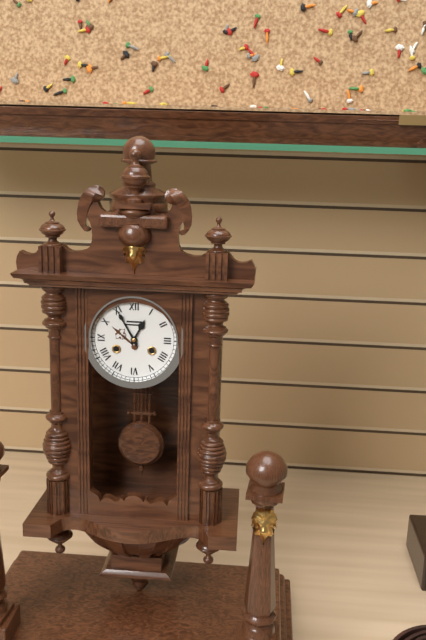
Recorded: h=12 m=55
